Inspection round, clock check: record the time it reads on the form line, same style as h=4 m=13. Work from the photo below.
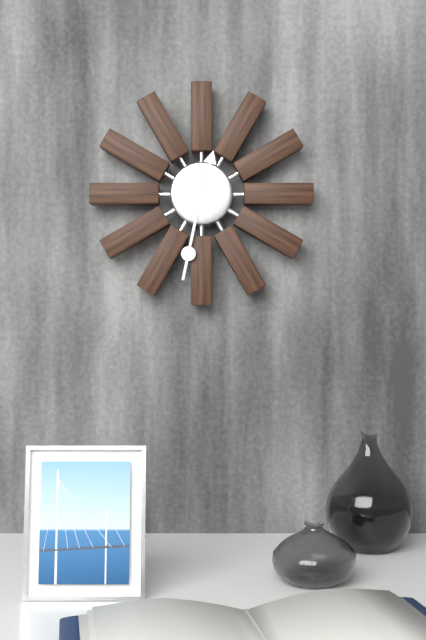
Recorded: h=12 m=32
